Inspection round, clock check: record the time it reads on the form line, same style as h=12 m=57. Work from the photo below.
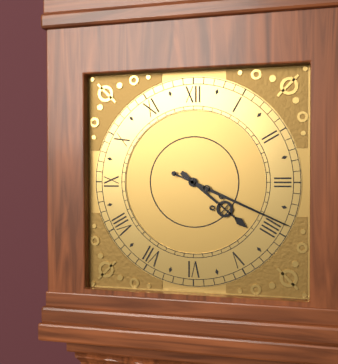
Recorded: h=4 m=19
